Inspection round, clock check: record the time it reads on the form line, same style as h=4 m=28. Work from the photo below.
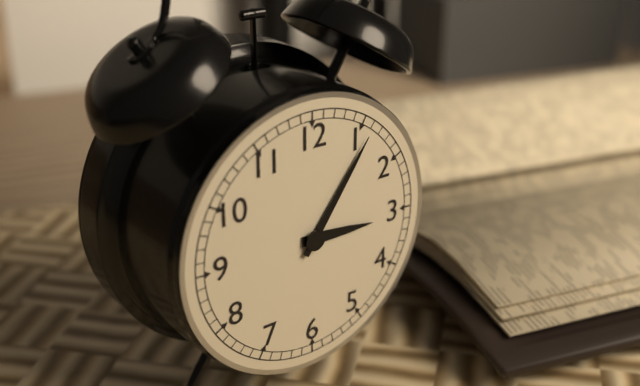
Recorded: h=3 m=6
